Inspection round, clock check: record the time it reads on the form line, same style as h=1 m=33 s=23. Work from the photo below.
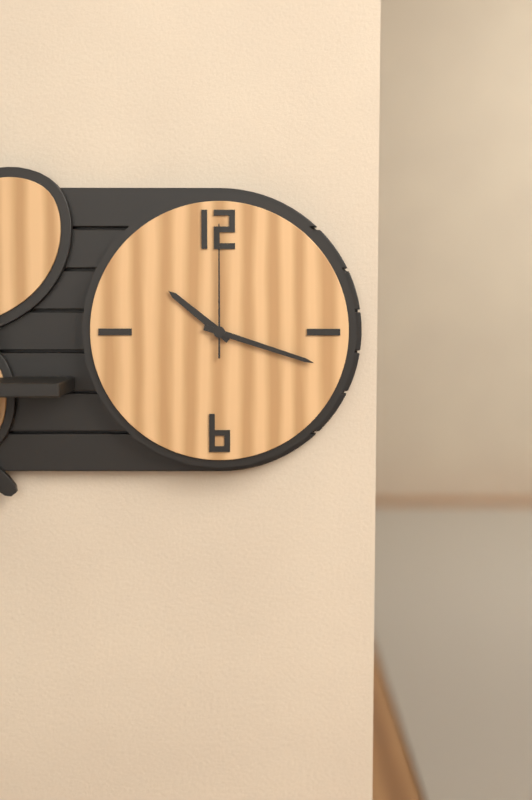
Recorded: h=10 m=18 s=0
